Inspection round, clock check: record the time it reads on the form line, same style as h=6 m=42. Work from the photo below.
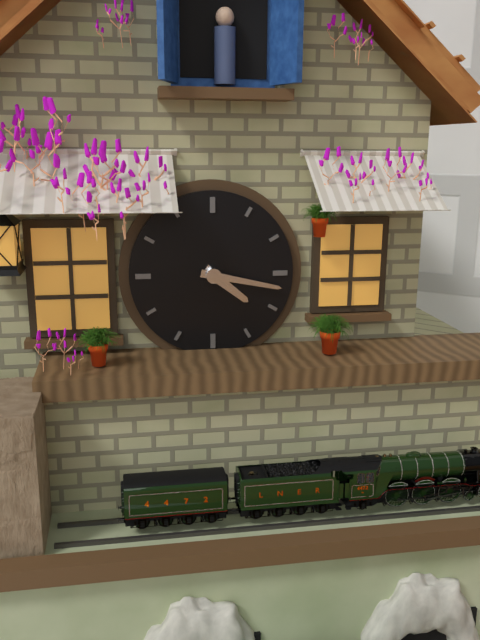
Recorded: h=4 m=17
